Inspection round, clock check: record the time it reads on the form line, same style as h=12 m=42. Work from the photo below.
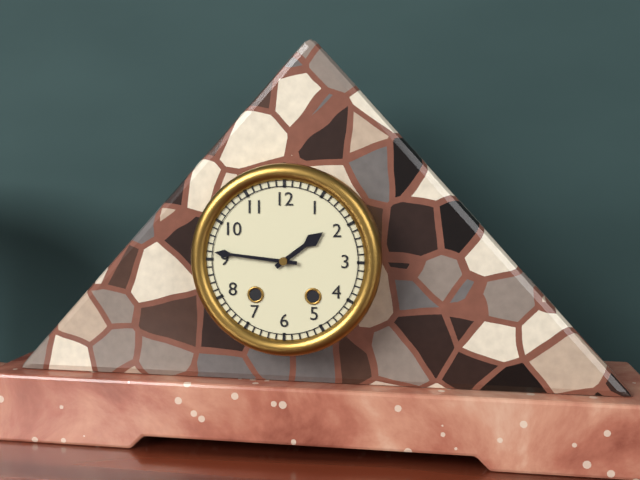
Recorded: h=1 m=46
